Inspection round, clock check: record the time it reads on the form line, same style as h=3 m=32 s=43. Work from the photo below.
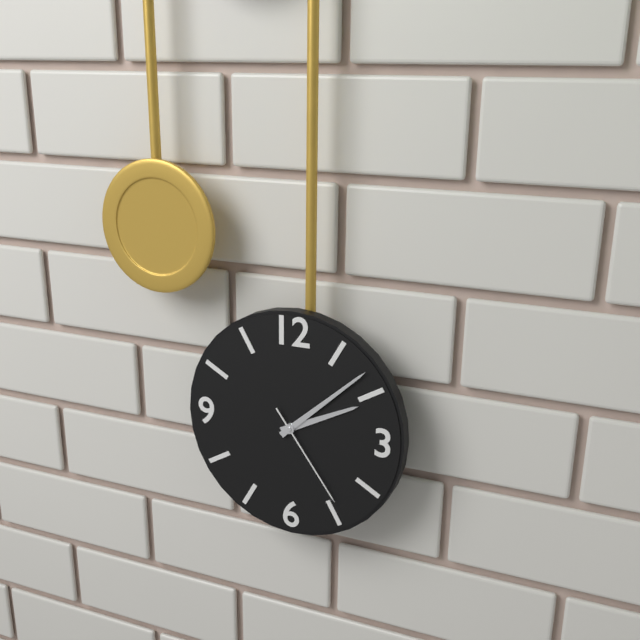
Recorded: h=2 m=8 s=24
